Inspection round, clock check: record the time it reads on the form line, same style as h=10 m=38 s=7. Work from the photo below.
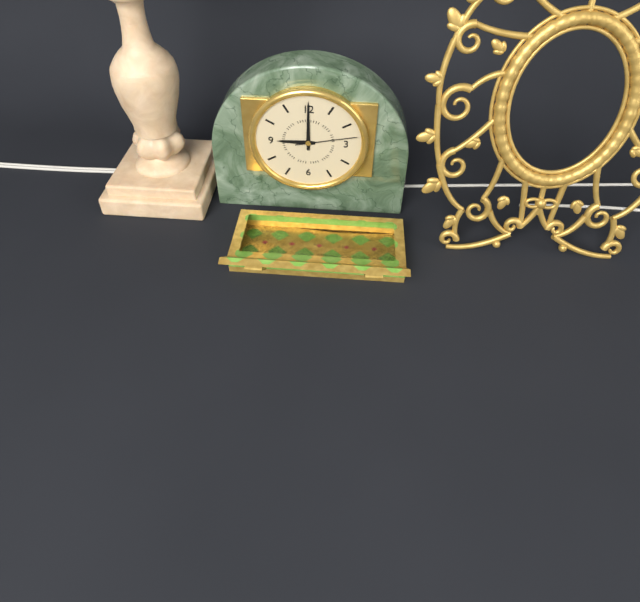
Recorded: h=9 m=0 s=13
